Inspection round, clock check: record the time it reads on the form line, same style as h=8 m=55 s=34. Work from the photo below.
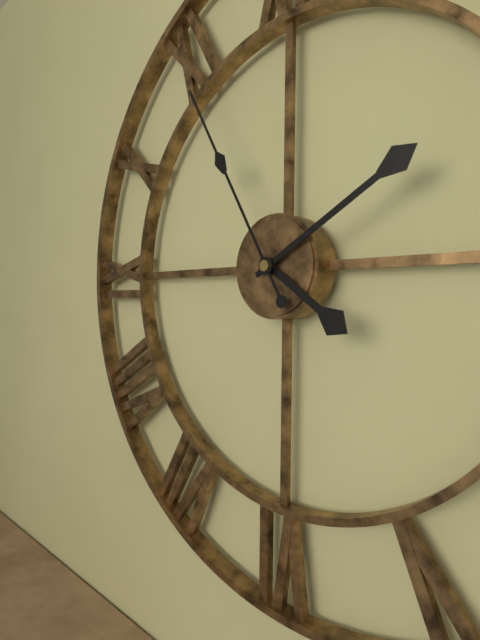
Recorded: h=4 m=10 s=55
